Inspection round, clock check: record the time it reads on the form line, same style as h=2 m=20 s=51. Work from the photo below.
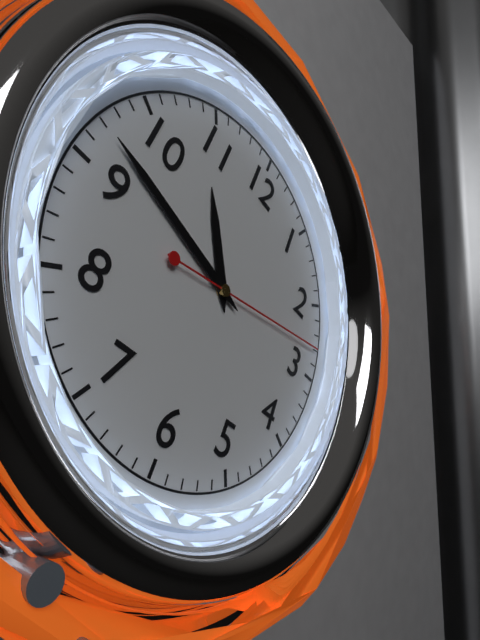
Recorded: h=10 m=47 s=13
